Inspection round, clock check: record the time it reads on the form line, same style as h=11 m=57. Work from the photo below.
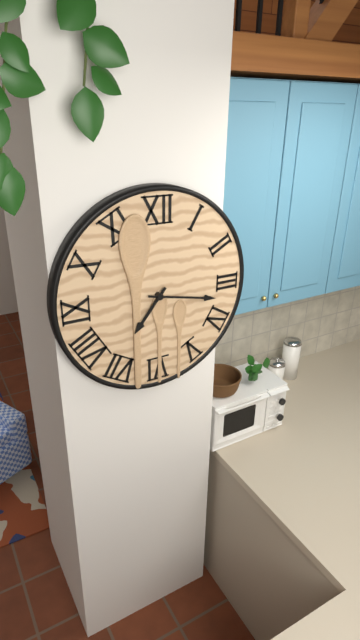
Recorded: h=7 m=17
